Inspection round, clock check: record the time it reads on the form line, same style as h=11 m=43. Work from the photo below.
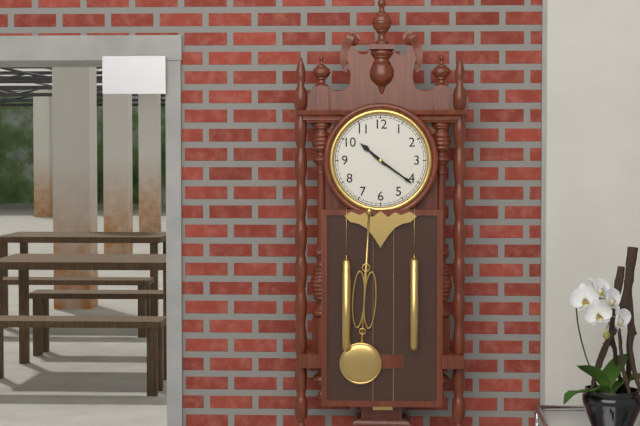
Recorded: h=10 m=21
